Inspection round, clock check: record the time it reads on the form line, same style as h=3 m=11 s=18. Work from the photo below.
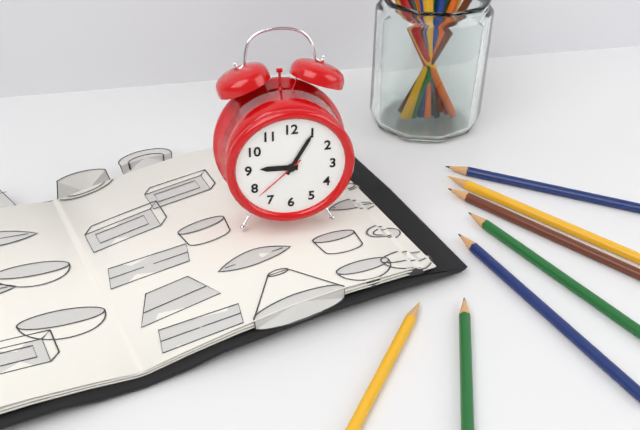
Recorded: h=9 m=5 s=38
